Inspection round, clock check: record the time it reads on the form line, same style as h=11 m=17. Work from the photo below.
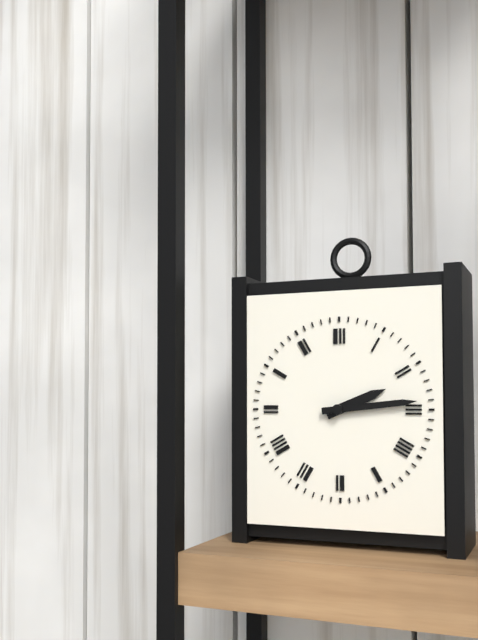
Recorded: h=2 m=14
